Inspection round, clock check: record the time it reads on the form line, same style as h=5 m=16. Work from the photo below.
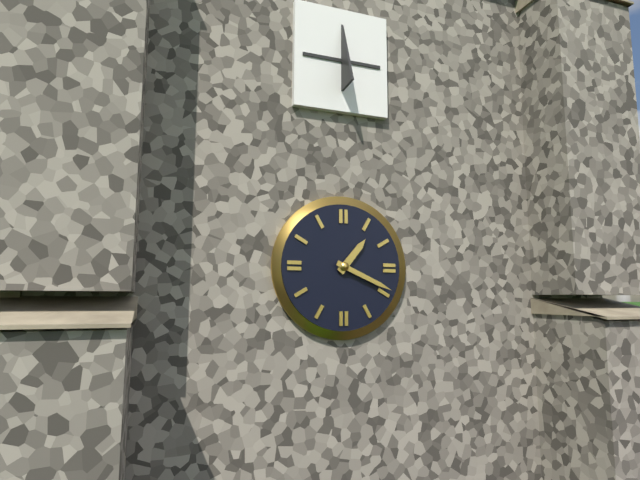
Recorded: h=1 m=19
